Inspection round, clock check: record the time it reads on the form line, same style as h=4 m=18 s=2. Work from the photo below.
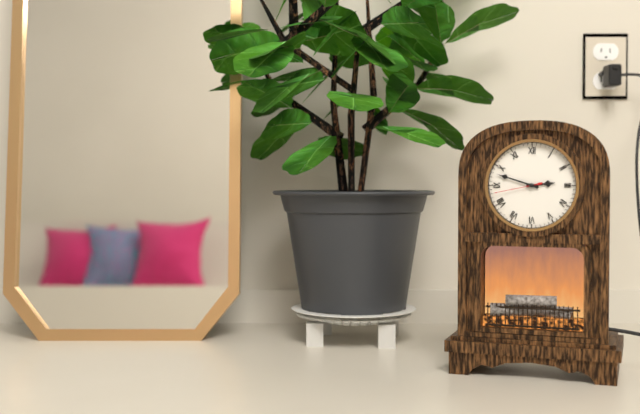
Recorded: h=2 m=48 s=43
